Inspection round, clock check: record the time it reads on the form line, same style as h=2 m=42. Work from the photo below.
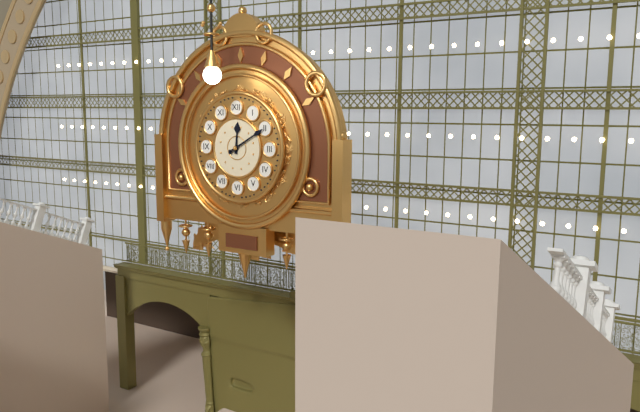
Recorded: h=12 m=10
